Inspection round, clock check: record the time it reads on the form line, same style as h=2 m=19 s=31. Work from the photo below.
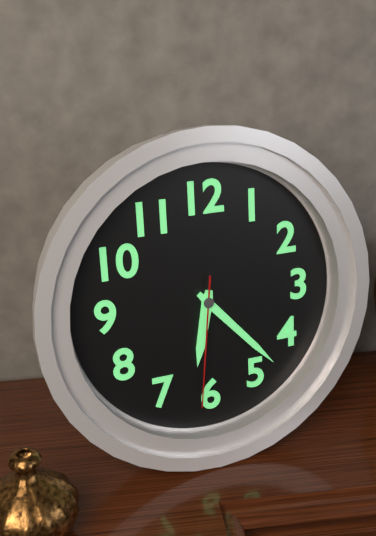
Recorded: h=6 m=23 s=31
